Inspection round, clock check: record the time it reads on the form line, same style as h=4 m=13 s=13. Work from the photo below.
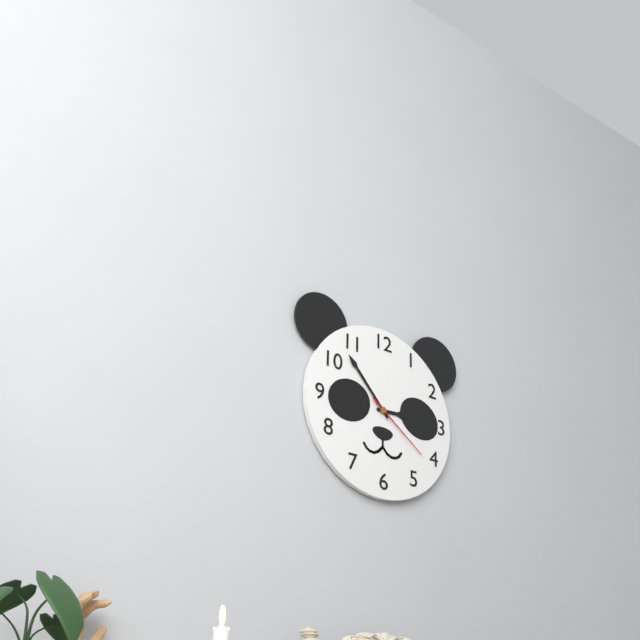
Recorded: h=2 m=53 s=21
